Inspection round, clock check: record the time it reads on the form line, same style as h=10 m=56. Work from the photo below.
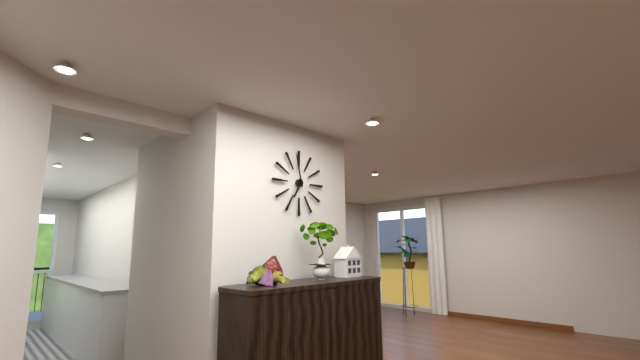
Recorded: h=6 m=58
